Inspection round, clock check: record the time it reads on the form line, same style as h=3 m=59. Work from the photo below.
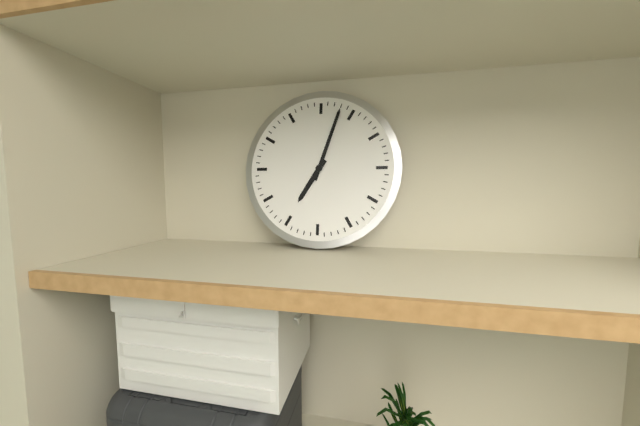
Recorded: h=7 m=3
